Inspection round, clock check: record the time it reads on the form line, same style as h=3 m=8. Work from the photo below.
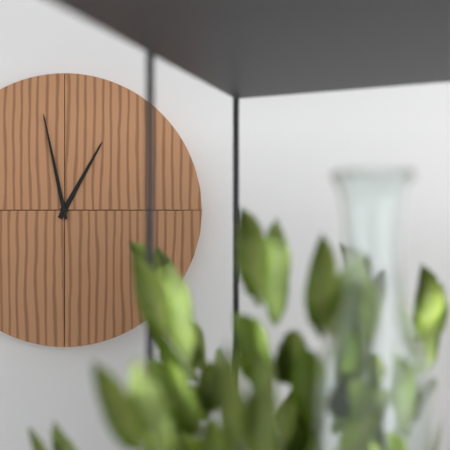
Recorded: h=12 m=58
